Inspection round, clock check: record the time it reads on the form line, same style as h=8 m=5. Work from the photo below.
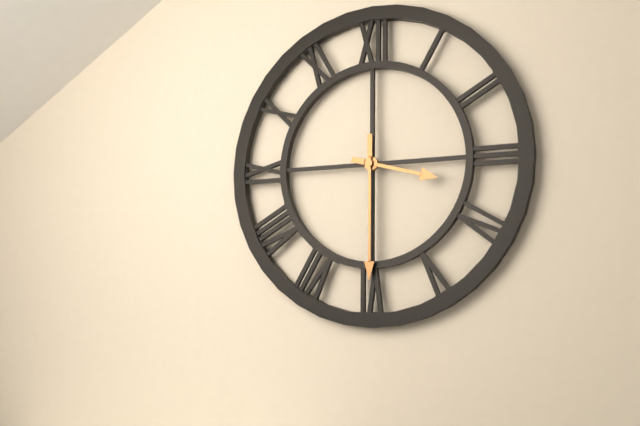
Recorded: h=3 m=30
